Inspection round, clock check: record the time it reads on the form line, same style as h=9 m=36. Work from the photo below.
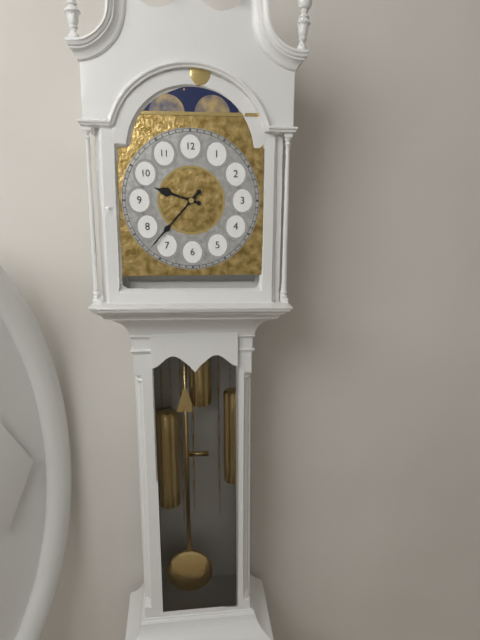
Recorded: h=9 m=37
